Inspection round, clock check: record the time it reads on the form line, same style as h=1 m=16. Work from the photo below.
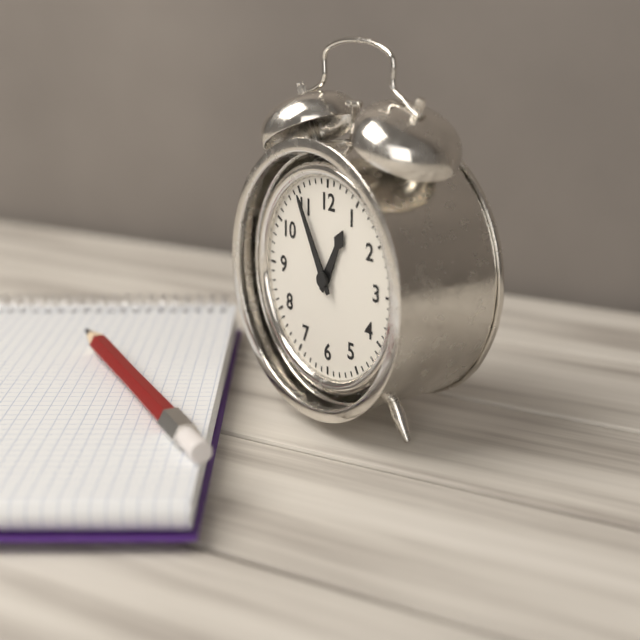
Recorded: h=12 m=55
